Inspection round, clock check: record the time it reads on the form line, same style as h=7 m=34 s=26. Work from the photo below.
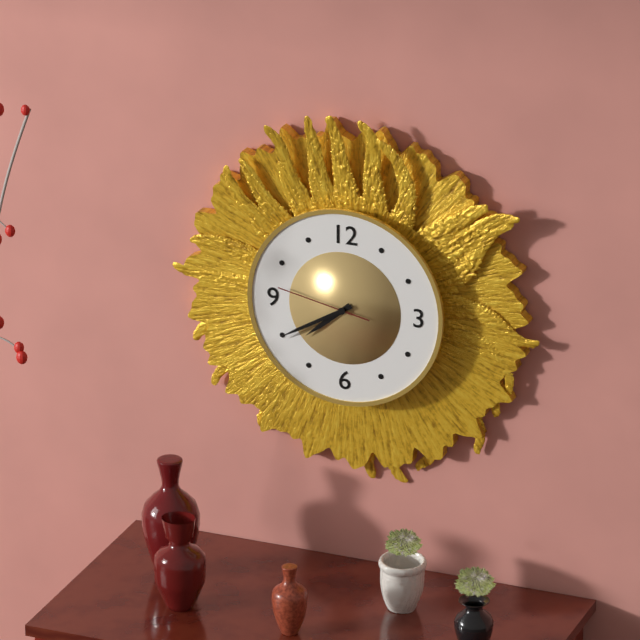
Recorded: h=7 m=40 s=47
